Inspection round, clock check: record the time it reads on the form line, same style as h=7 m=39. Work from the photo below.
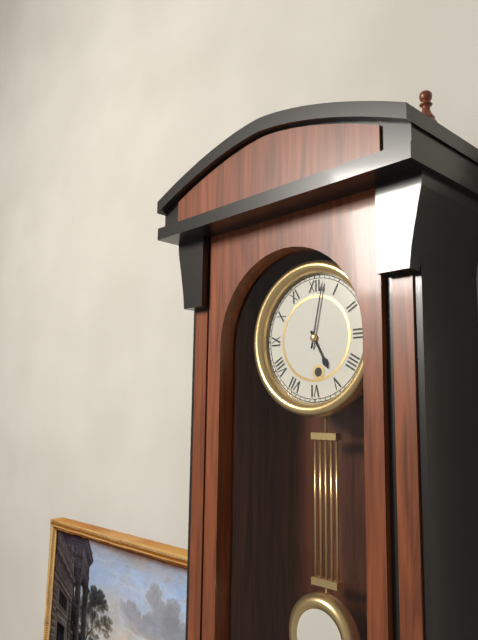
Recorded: h=5 m=2
